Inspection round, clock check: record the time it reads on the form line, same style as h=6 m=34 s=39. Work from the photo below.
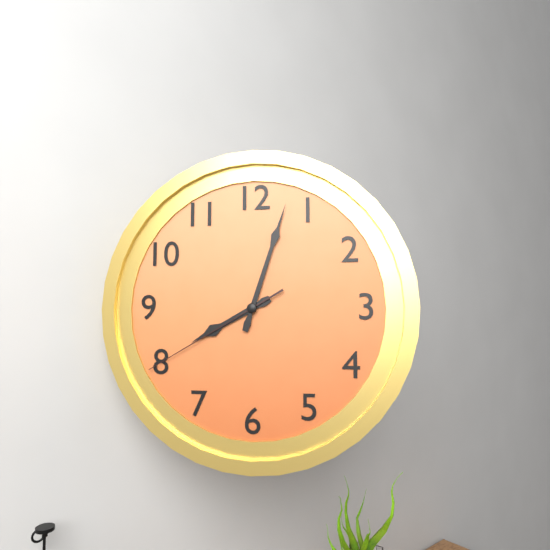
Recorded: h=8 m=3 s=40
